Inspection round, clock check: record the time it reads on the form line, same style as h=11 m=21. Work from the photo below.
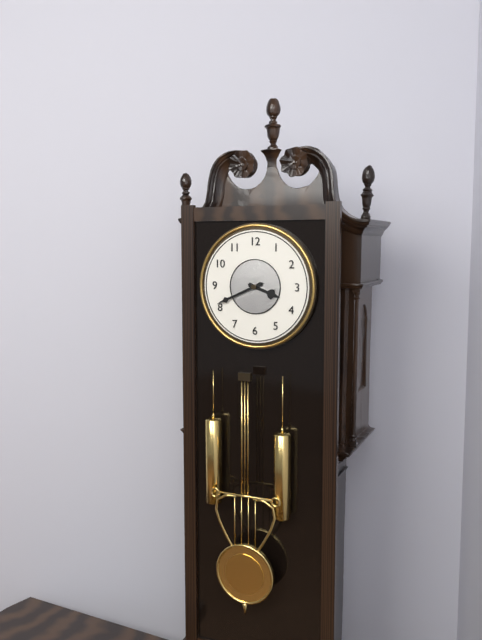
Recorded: h=3 m=41
